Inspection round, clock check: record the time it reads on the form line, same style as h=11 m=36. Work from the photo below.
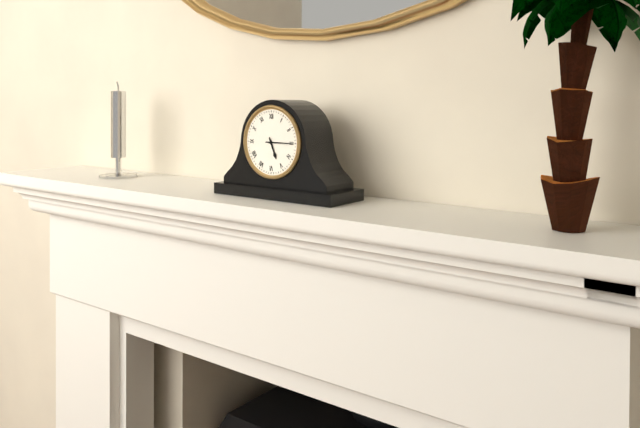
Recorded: h=5 m=15
